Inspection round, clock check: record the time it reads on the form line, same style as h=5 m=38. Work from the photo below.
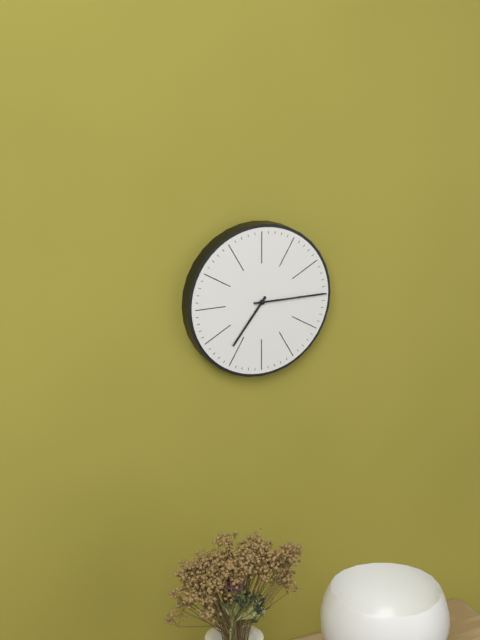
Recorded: h=7 m=15
